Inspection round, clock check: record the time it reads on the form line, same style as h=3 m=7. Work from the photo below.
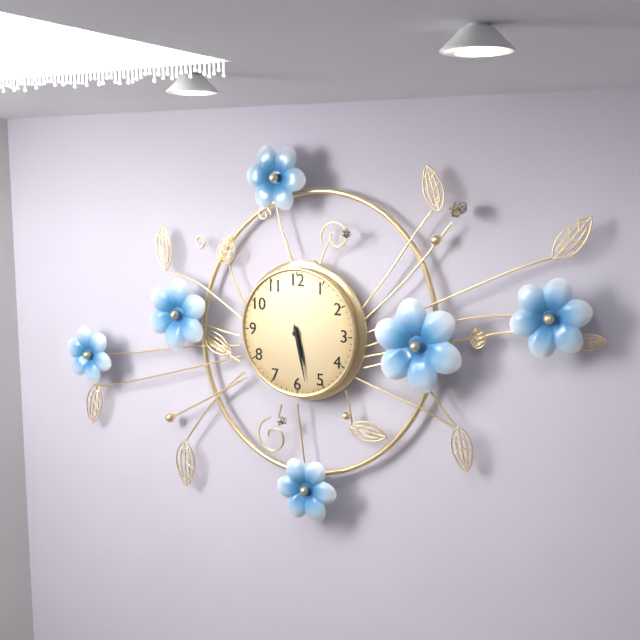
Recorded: h=5 m=28
